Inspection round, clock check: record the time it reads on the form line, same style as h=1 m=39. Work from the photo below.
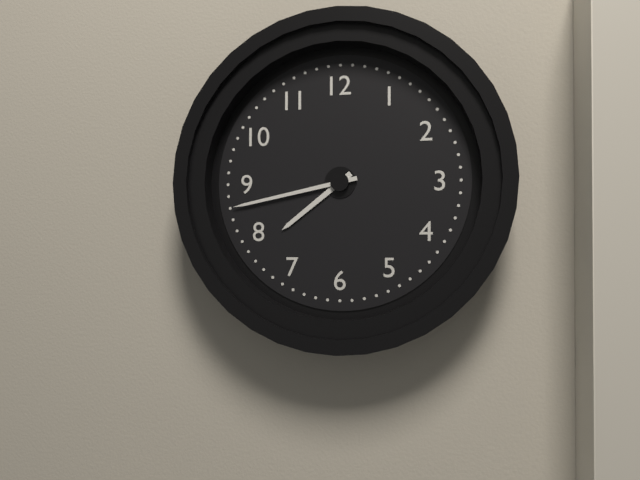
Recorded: h=7 m=43
